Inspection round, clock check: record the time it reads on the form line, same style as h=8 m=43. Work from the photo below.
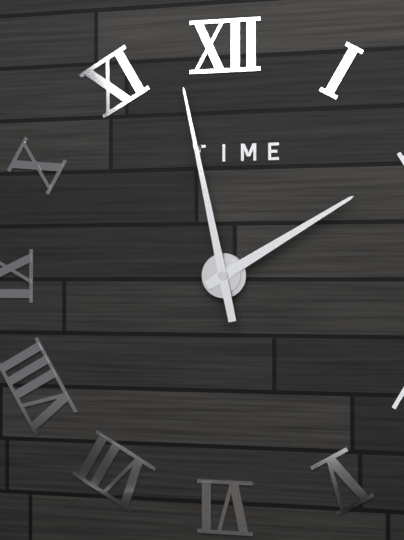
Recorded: h=1 m=58
